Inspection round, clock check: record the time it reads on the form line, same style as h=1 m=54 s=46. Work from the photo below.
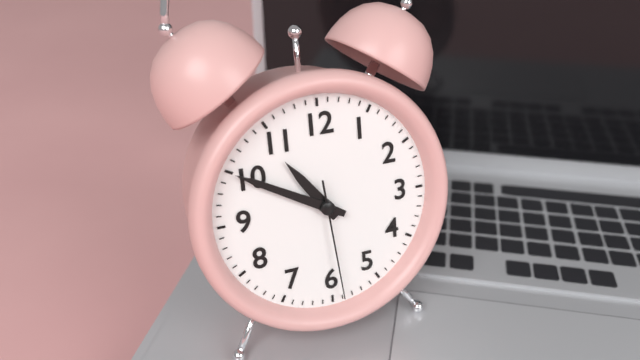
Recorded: h=10 m=50 s=29
